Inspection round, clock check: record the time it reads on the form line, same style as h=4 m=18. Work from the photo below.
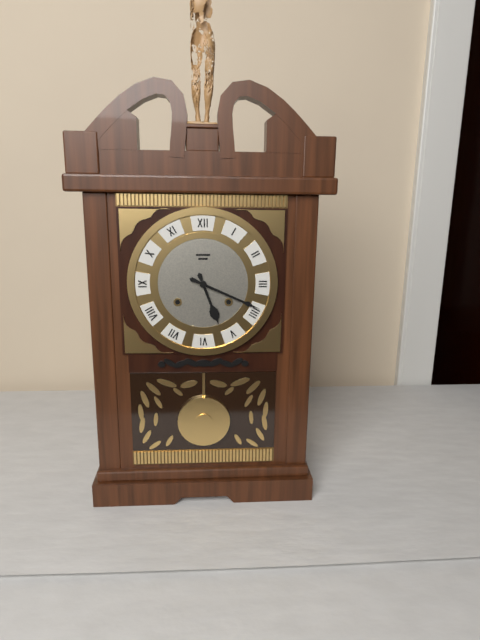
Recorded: h=5 m=19
